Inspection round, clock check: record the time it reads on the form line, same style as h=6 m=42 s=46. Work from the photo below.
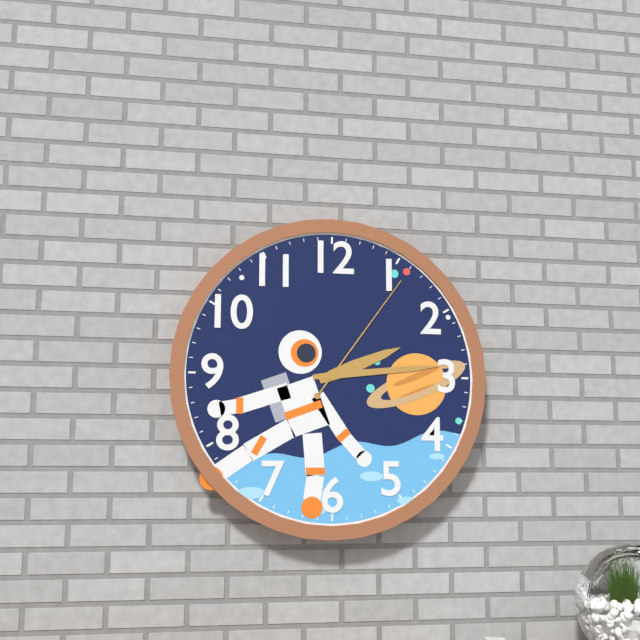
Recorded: h=2 m=14 s=6
